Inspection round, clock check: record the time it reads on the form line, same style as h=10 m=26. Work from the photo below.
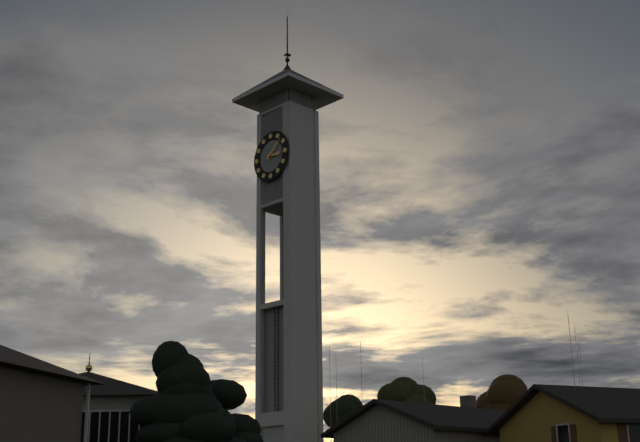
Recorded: h=3 m=8
